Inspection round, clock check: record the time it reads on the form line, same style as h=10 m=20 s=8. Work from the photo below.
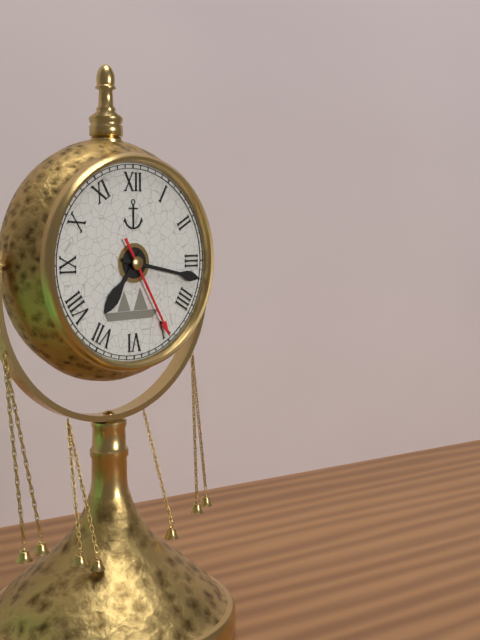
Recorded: h=7 m=17 s=25
